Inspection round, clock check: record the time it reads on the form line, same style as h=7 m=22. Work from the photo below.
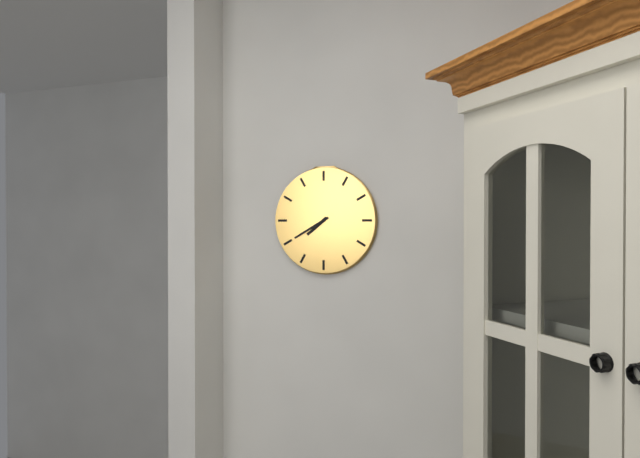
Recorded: h=7 m=40
